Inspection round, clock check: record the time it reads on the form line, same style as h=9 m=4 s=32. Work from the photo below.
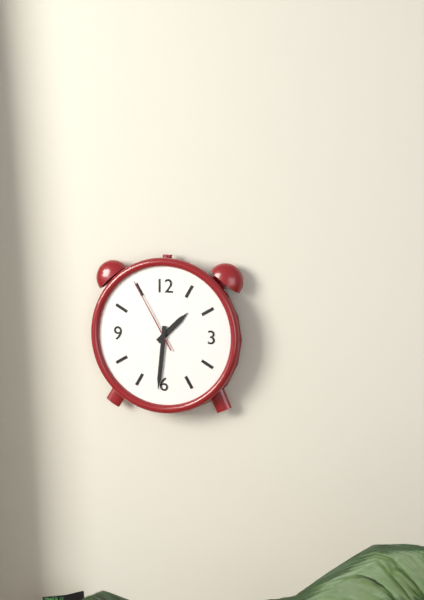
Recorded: h=1 m=31 s=55
